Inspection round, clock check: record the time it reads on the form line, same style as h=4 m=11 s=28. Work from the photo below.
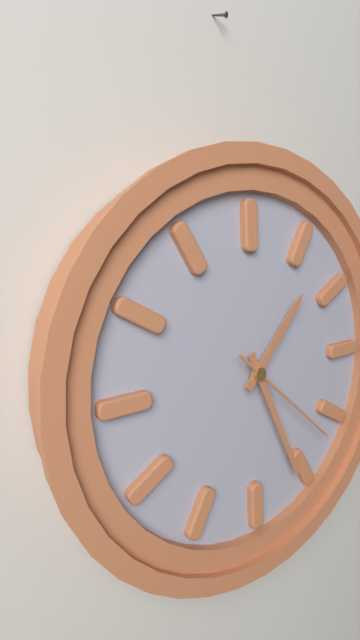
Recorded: h=1 m=26 s=22
